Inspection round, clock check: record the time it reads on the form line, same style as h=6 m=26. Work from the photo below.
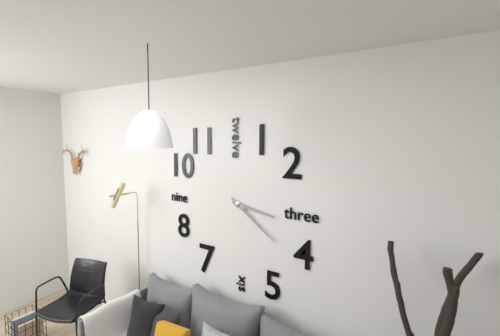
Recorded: h=3 m=21
